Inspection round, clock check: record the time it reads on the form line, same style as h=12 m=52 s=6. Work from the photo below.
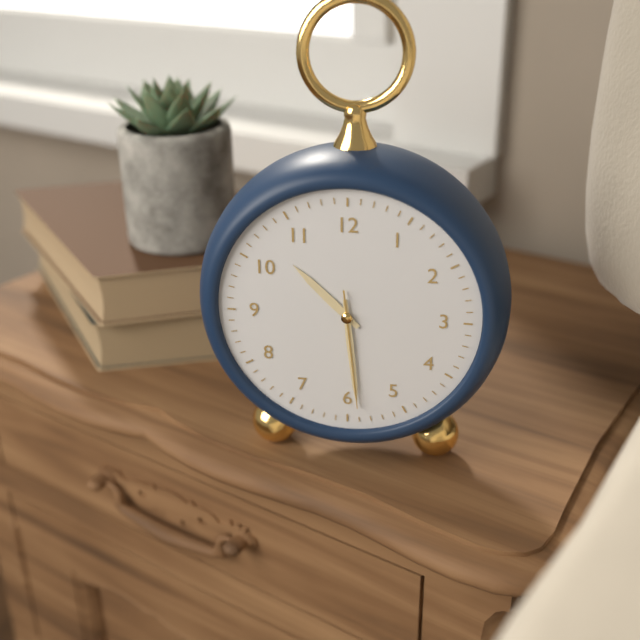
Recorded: h=10 m=29 s=29
